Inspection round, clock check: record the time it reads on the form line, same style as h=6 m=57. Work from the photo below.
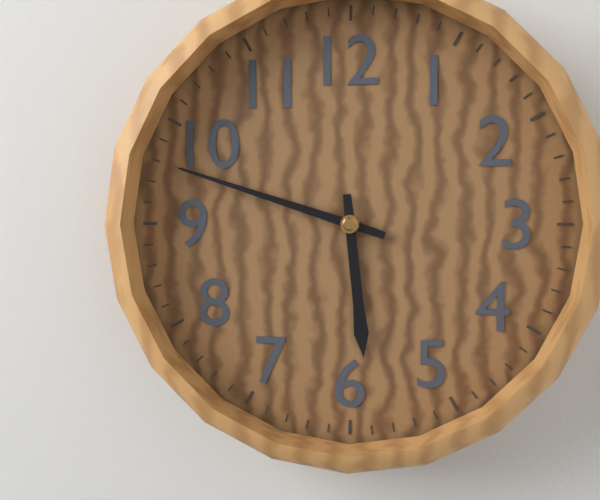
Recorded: h=5 m=48
